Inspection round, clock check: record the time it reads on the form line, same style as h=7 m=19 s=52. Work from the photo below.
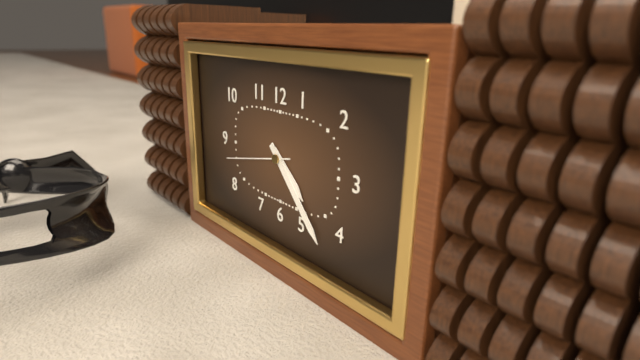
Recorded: h=4 m=23 s=43
